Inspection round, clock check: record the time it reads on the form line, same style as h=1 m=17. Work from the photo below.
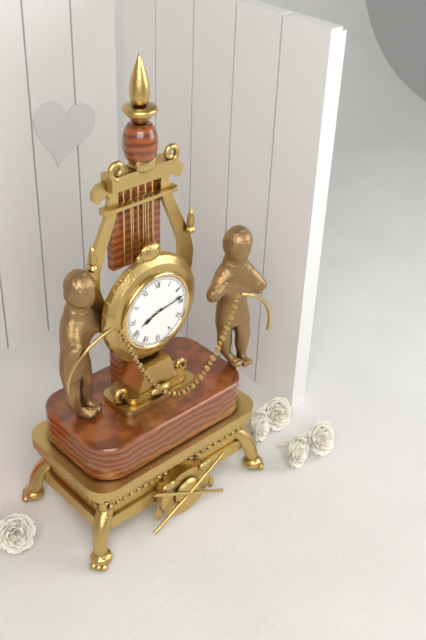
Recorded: h=8 m=13
